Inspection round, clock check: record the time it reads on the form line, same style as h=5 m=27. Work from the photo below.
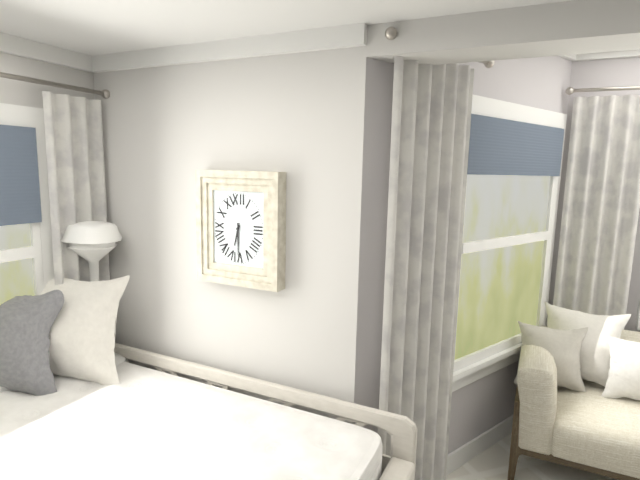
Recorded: h=6 m=30
